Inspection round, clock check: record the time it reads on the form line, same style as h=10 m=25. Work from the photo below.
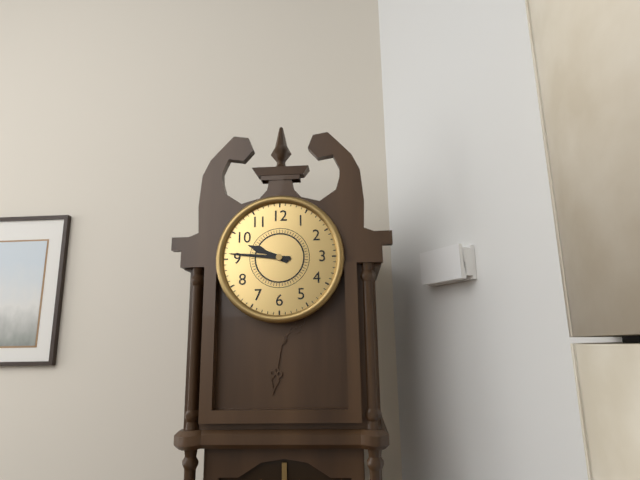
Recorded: h=9 m=46
